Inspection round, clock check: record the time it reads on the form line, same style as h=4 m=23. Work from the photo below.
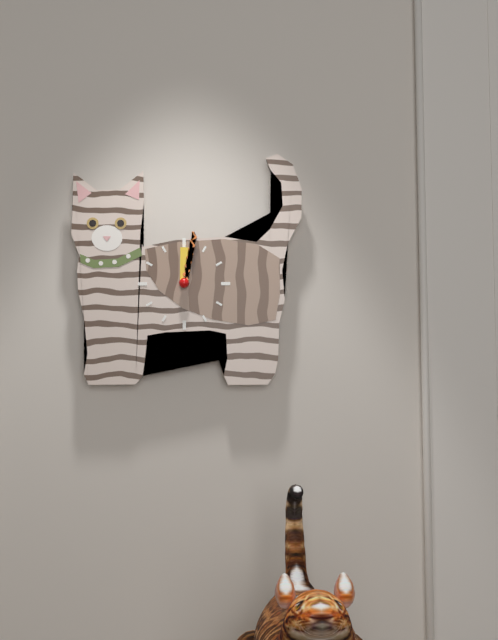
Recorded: h=12 m=2
